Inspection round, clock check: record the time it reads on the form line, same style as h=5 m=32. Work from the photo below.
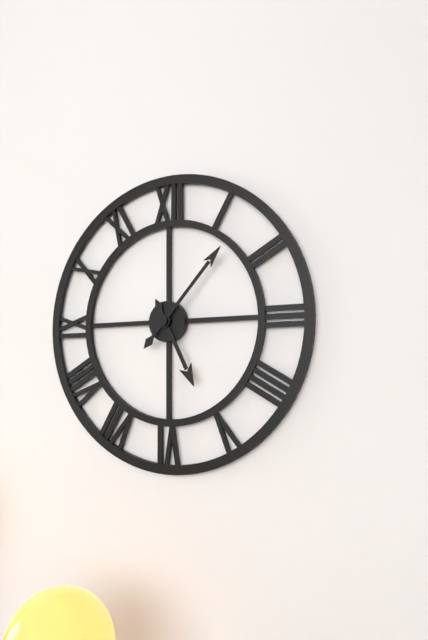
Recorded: h=5 m=7
